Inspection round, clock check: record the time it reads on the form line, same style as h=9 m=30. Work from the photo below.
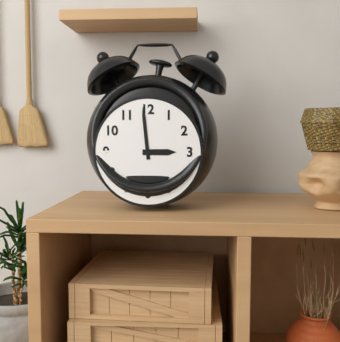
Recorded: h=2 m=59
